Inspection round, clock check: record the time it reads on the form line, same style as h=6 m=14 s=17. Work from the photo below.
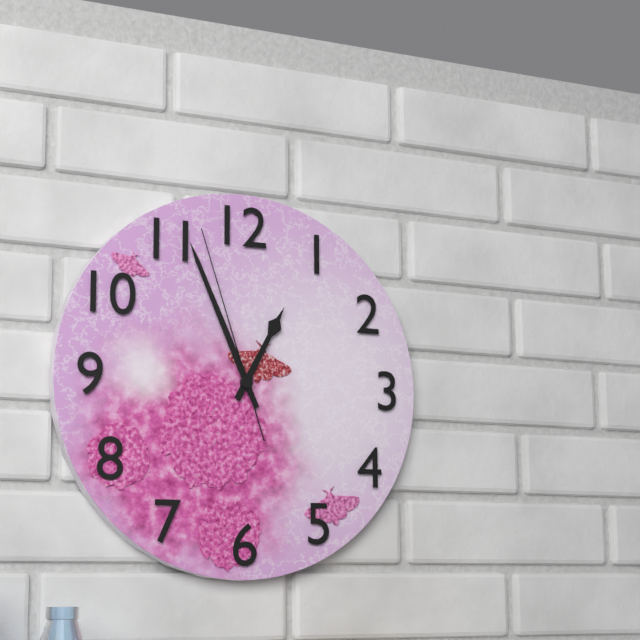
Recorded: h=12 m=56 s=57
